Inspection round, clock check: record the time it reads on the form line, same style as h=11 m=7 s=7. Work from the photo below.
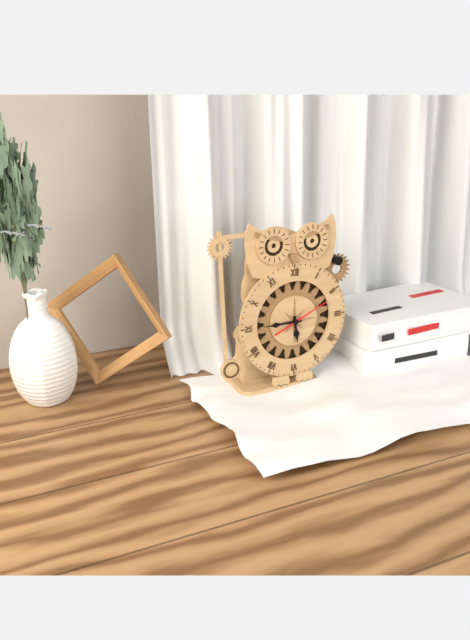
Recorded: h=5 m=45 s=11
